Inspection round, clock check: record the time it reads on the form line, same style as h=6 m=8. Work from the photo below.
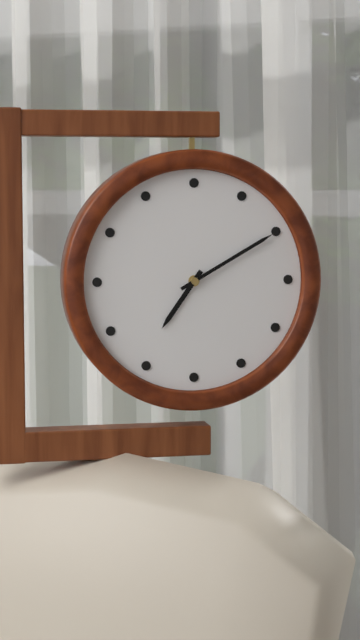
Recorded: h=7 m=10
